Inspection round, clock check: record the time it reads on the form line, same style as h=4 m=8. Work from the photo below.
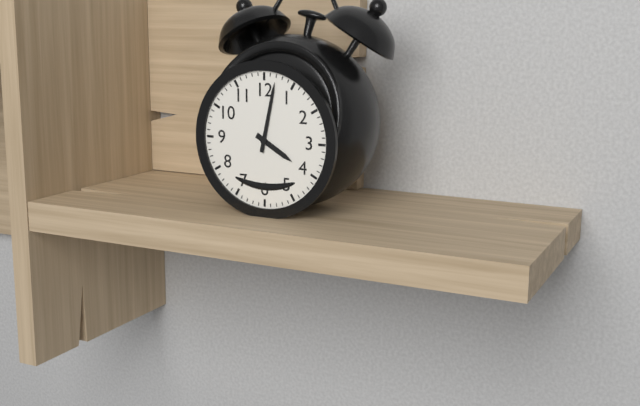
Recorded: h=4 m=2
